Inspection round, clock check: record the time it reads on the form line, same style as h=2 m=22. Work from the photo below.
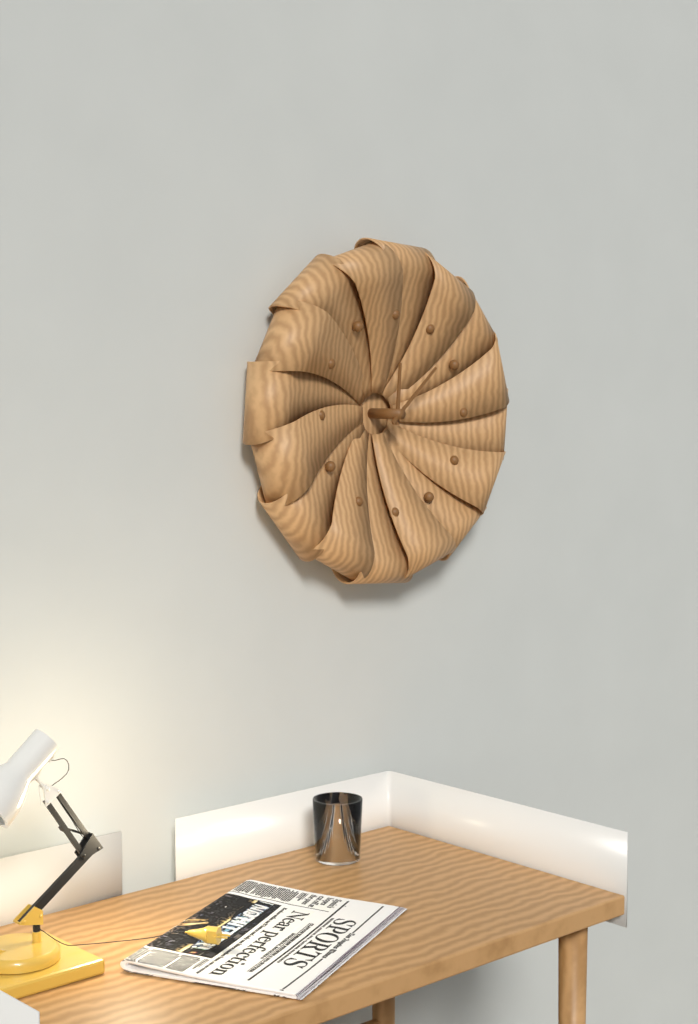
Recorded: h=12 m=8
